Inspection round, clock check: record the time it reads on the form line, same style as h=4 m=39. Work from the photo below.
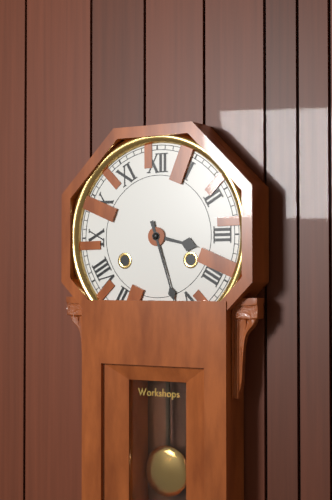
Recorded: h=3 m=27
